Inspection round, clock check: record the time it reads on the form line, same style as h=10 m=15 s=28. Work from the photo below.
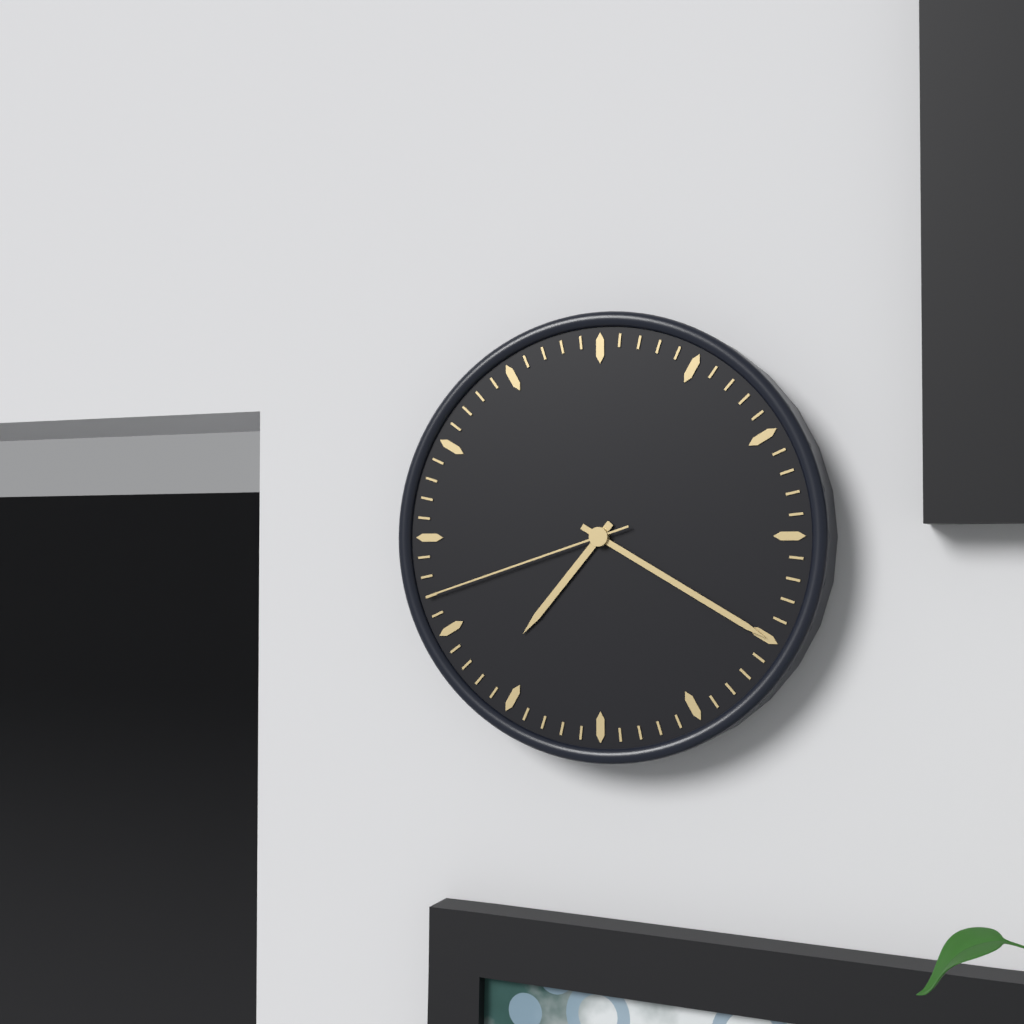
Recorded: h=7 m=20 s=42
